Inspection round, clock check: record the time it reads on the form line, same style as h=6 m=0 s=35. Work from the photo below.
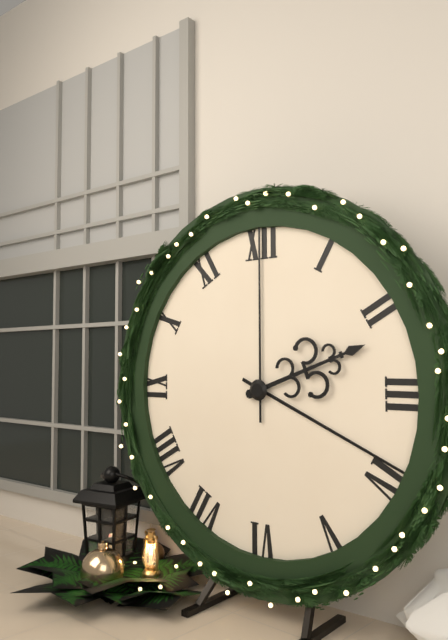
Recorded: h=2 m=19 s=0
